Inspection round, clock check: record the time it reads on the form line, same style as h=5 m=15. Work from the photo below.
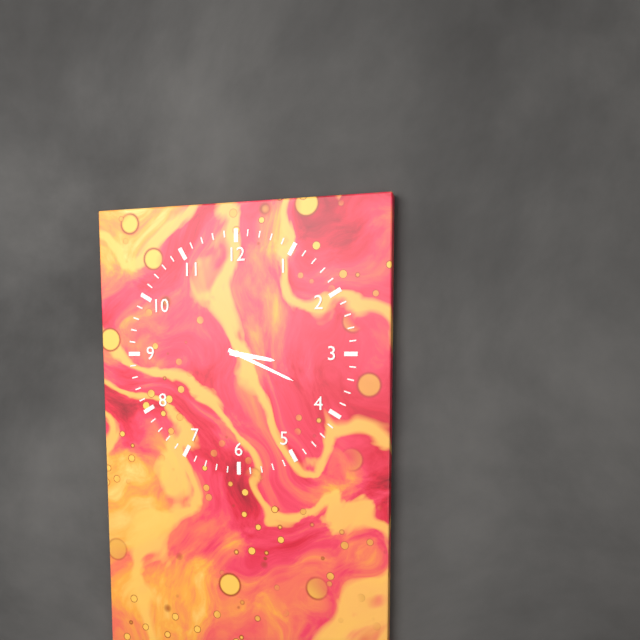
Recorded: h=3 m=19
